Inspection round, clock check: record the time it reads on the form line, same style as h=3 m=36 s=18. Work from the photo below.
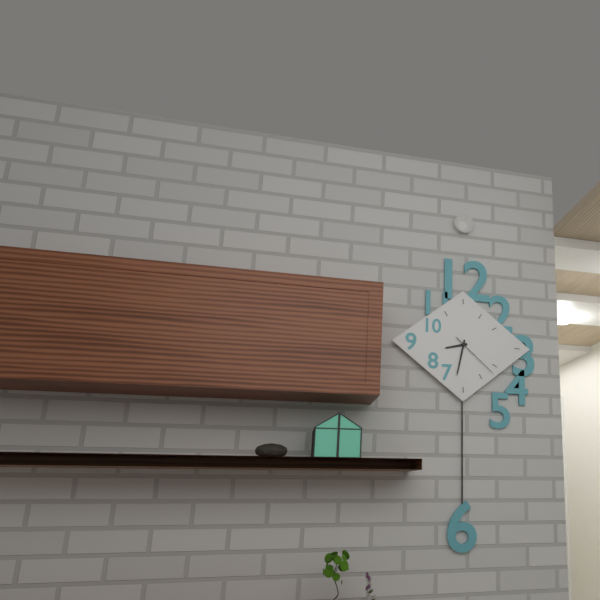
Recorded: h=8 m=32 s=22
